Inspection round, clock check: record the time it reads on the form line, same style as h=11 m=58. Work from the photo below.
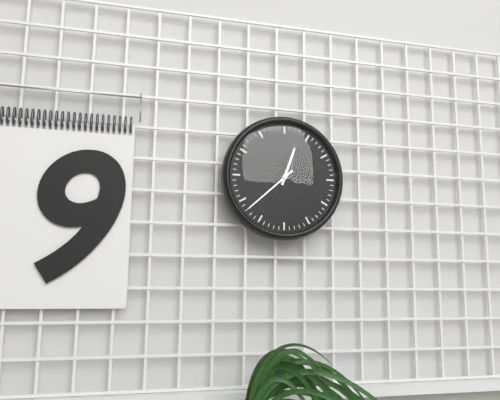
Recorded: h=12 m=38
